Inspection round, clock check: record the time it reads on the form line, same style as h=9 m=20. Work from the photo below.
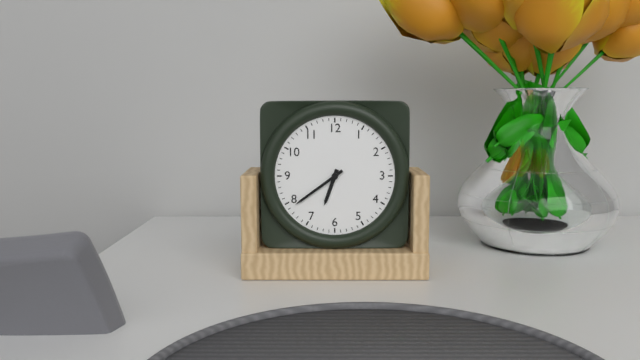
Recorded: h=6 m=39
